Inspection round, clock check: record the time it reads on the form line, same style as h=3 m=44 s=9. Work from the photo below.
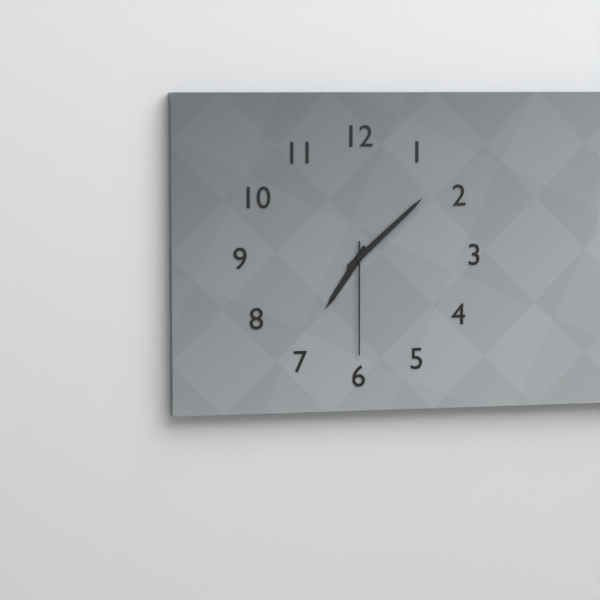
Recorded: h=7 m=8 s=30
